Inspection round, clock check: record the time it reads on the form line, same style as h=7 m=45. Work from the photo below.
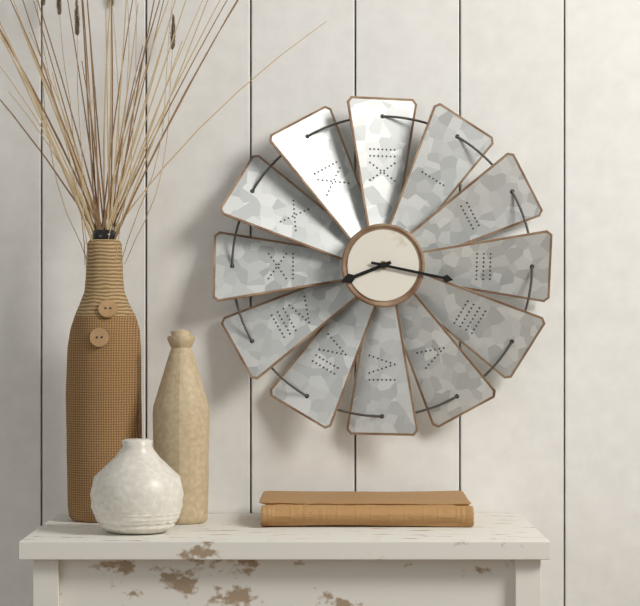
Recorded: h=8 m=17
